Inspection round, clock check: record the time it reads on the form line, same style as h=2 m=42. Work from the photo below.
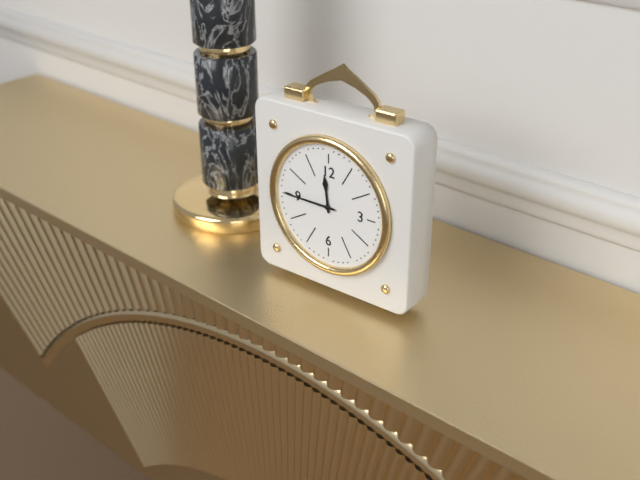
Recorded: h=11 m=45
